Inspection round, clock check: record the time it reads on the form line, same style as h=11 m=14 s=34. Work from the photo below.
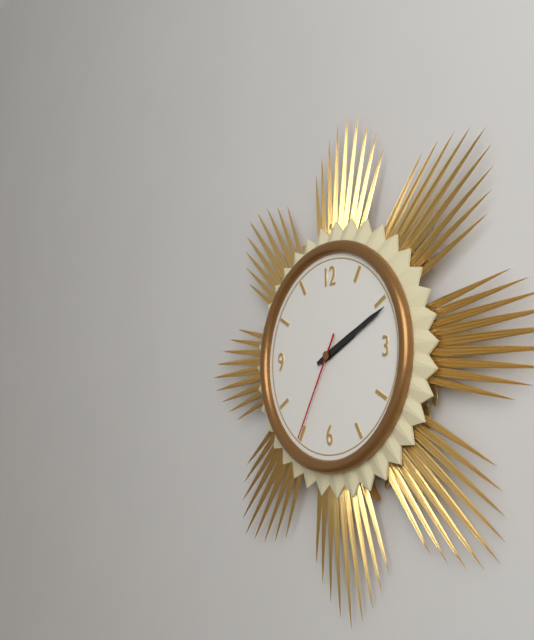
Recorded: h=2 m=11 s=35
